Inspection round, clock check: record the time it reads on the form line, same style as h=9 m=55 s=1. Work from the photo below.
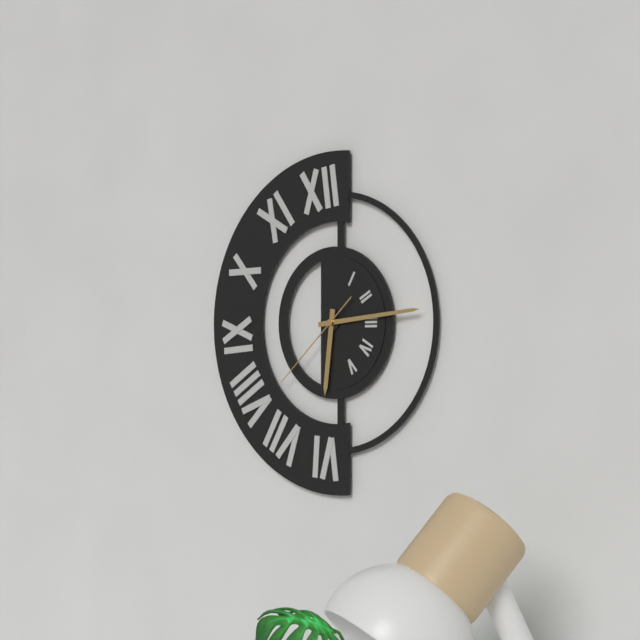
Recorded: h=6 m=14 s=38
